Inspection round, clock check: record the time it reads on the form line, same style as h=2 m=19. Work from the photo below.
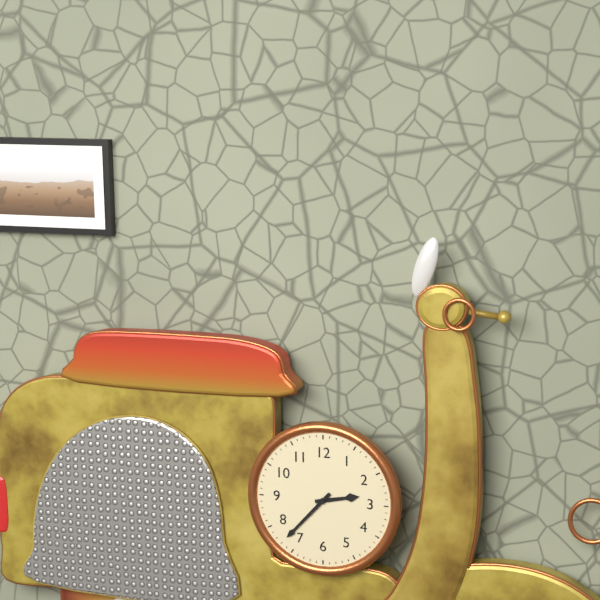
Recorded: h=2 m=37
